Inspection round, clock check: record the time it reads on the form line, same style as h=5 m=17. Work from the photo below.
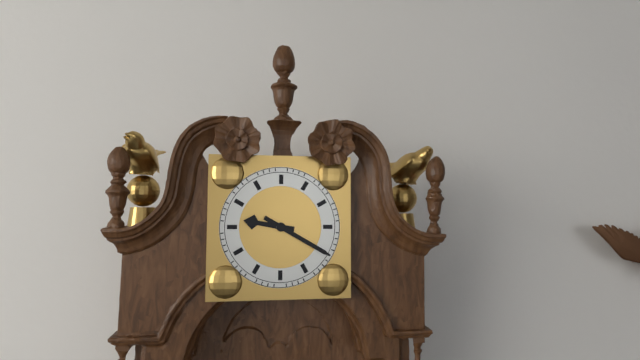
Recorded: h=9 m=20
